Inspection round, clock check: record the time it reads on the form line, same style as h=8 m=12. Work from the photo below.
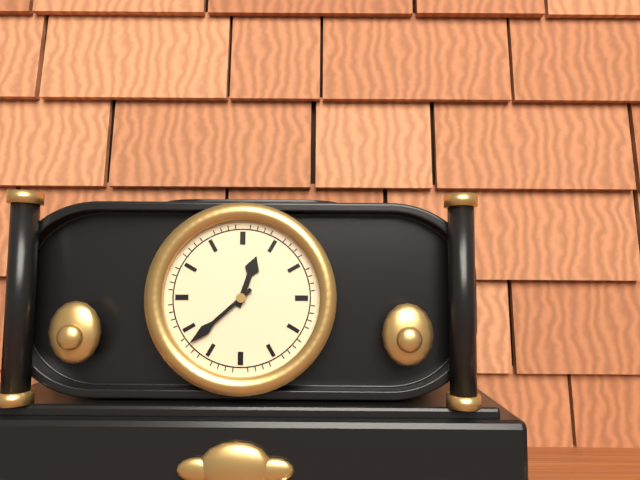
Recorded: h=12 m=38
